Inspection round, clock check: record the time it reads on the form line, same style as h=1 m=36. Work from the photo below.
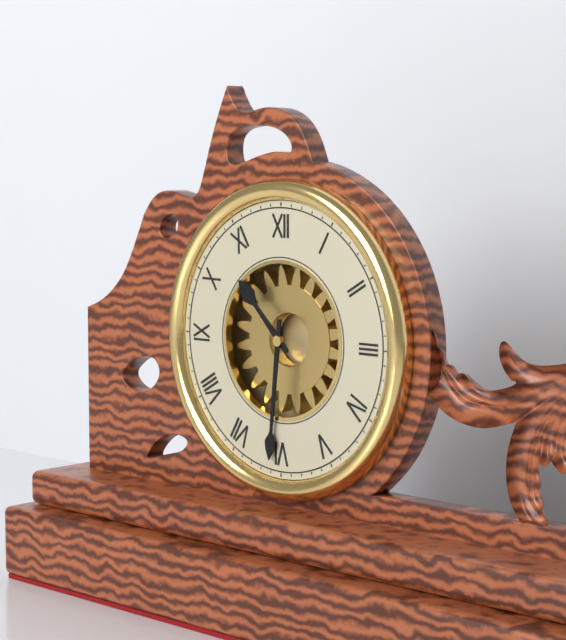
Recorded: h=10 m=31
